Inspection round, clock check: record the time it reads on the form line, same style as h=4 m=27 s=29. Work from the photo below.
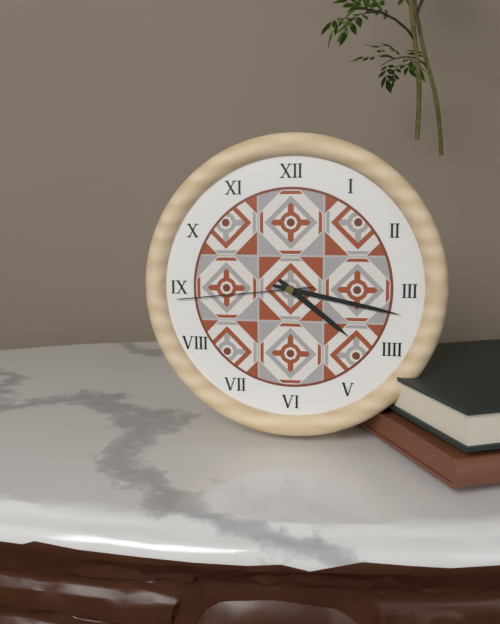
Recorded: h=4 m=17 s=44
